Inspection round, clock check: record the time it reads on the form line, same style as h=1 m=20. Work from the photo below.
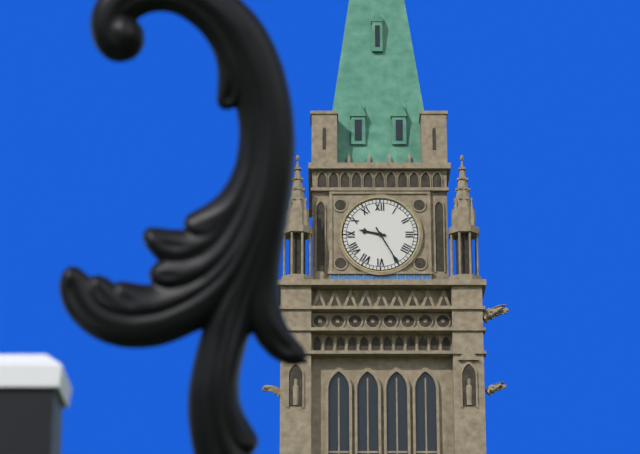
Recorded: h=9 m=25
